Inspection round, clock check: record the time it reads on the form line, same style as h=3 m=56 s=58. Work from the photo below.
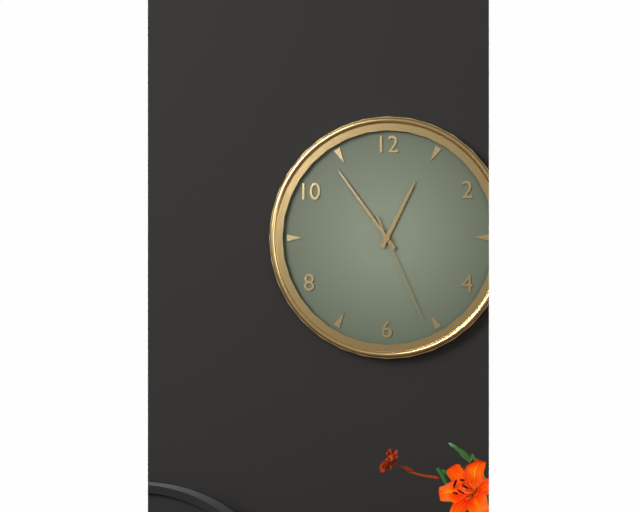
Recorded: h=12 m=54 s=26
